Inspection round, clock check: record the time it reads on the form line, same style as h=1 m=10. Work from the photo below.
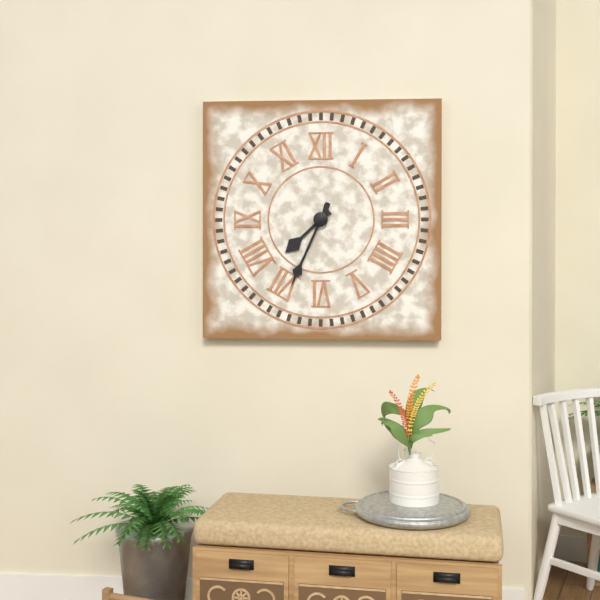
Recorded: h=7 m=34
